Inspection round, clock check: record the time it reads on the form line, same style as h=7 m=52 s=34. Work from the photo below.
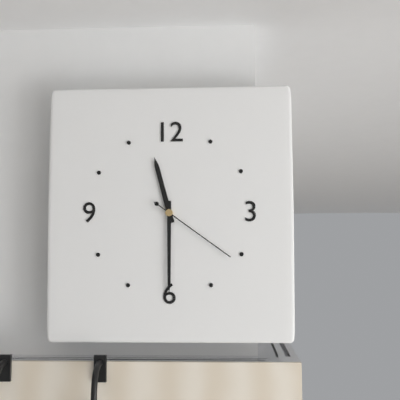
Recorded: h=11 m=30 s=21
